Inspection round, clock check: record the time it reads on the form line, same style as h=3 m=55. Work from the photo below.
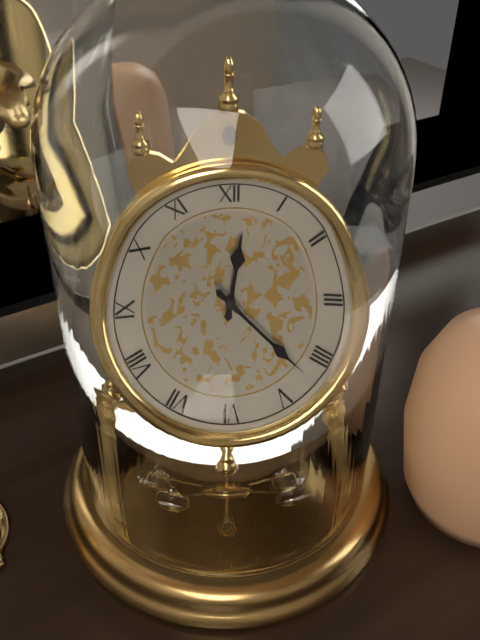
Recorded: h=12 m=22
